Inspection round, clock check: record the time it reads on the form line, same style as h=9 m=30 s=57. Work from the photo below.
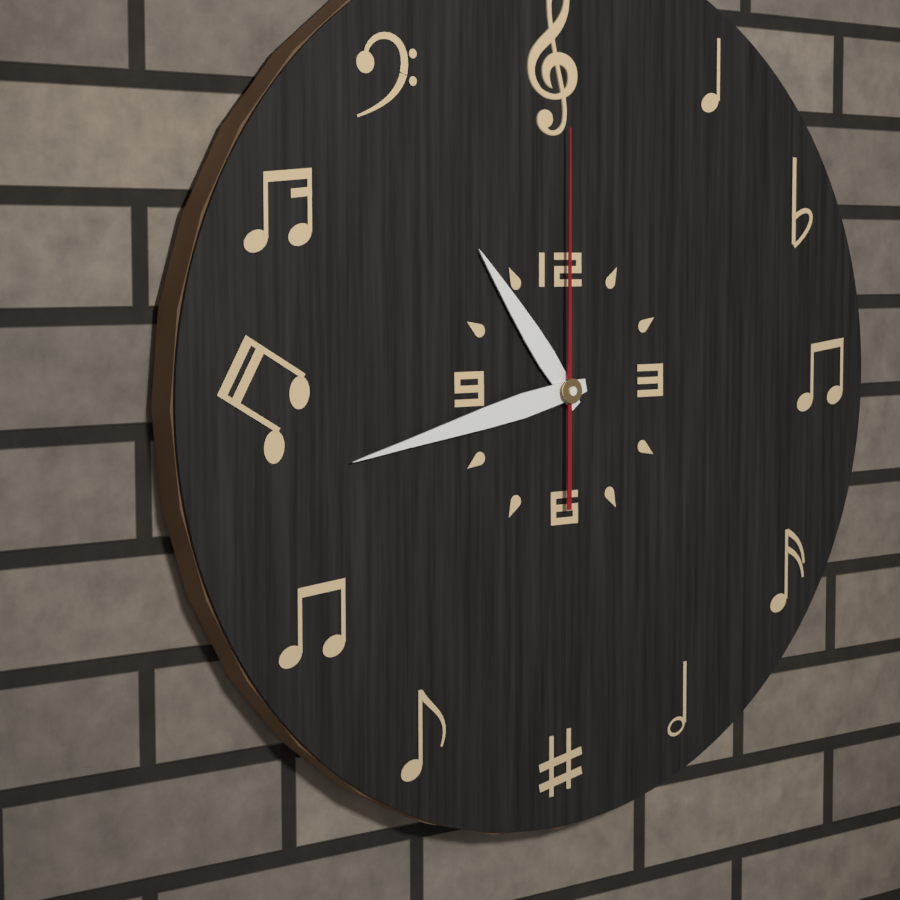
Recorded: h=10 m=43 s=0
